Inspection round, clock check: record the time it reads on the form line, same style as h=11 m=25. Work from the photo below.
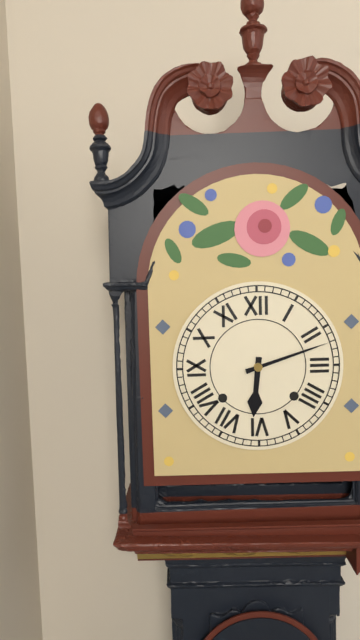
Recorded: h=6 m=12
